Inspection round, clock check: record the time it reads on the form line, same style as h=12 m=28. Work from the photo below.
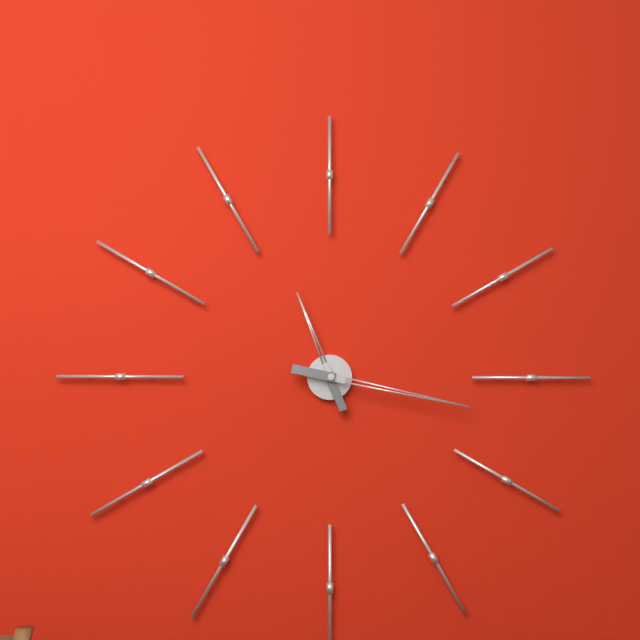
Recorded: h=11 m=17
